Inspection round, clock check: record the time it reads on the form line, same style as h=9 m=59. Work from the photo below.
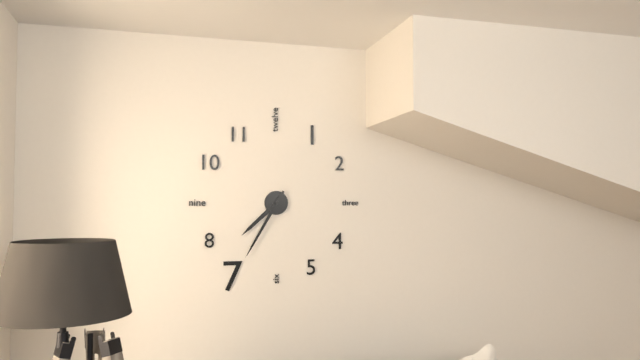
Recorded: h=7 m=35
